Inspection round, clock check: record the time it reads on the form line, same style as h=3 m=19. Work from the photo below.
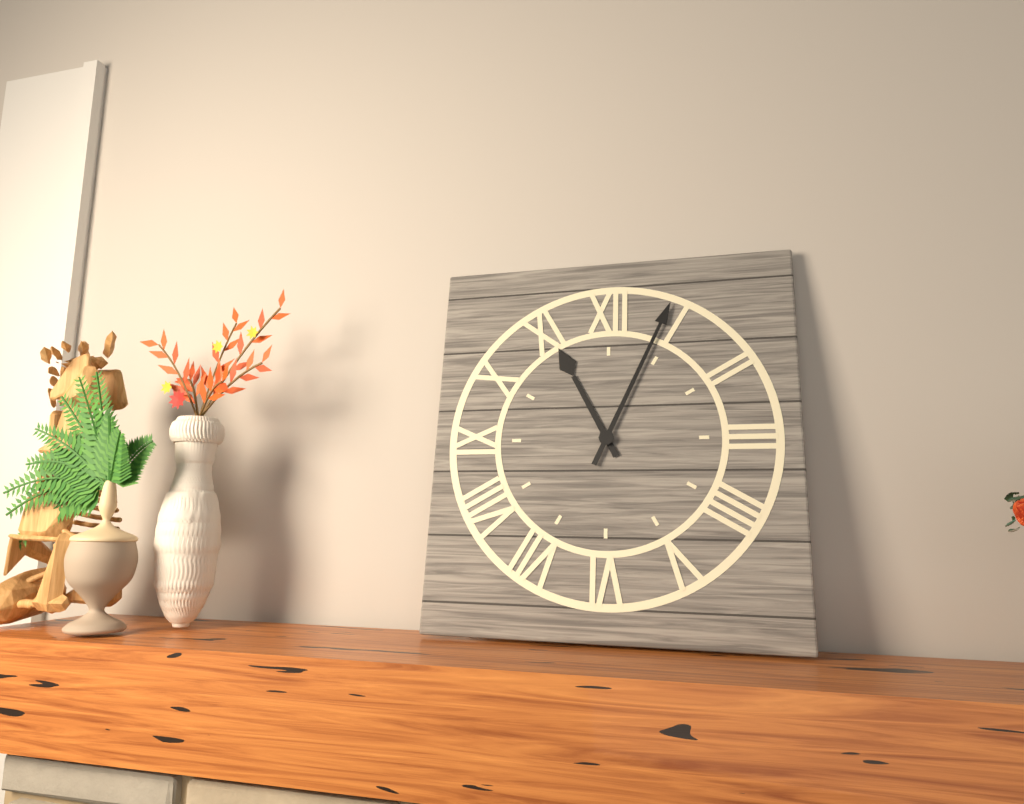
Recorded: h=11 m=4
